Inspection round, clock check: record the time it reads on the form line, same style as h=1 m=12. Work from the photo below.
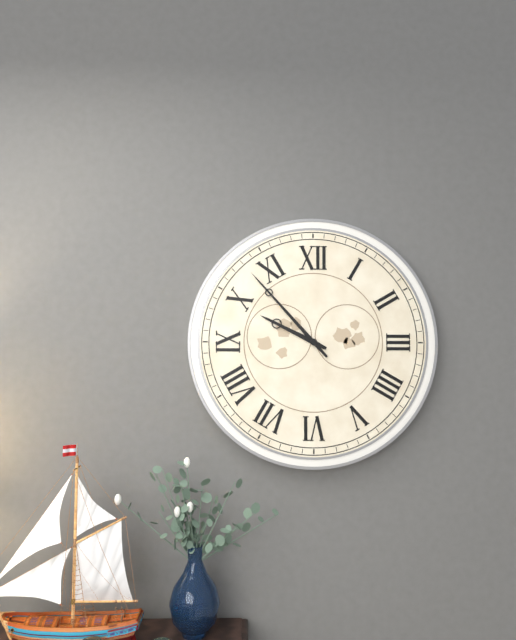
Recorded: h=9 m=53
